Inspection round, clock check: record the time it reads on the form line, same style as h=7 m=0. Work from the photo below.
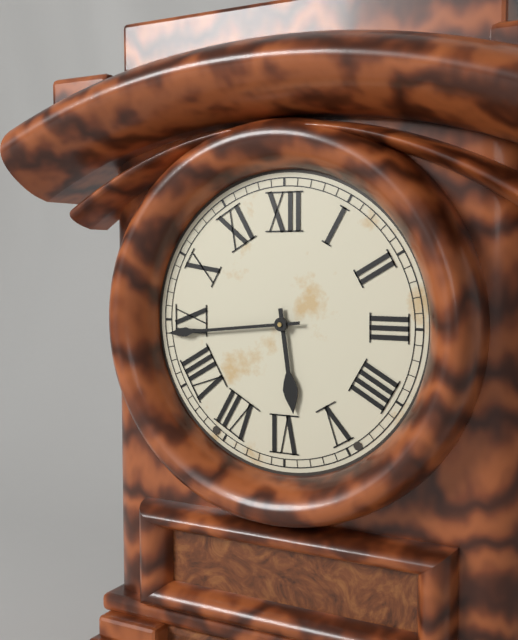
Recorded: h=5 m=44
